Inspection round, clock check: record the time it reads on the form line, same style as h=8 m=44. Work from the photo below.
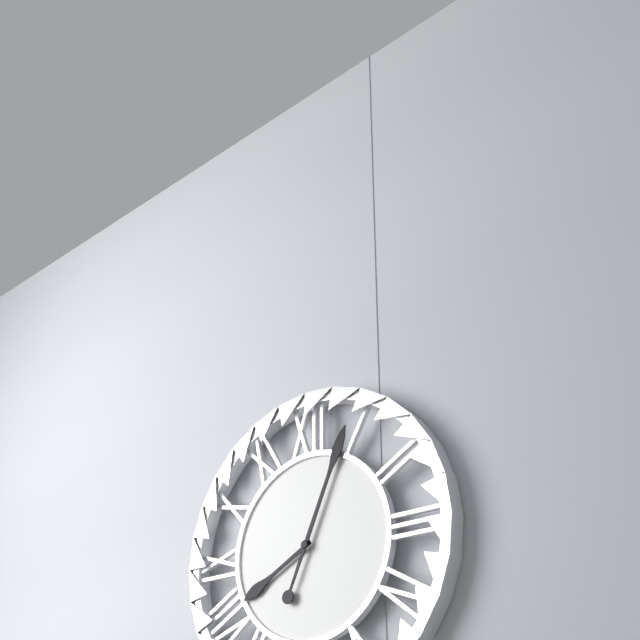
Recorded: h=8 m=4
